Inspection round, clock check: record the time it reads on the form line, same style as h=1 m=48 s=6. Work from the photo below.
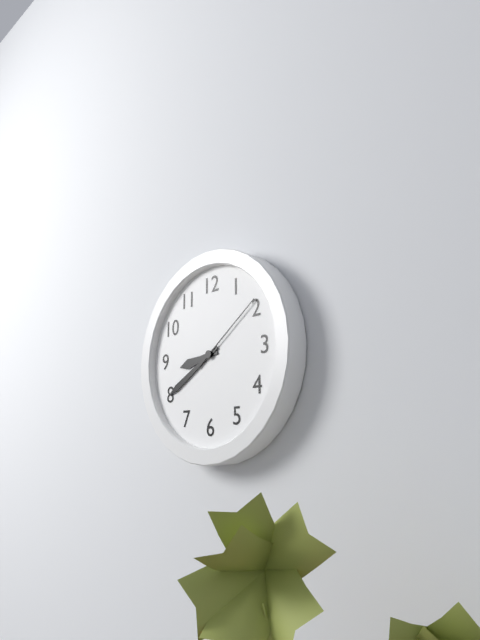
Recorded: h=8 m=40 s=9
